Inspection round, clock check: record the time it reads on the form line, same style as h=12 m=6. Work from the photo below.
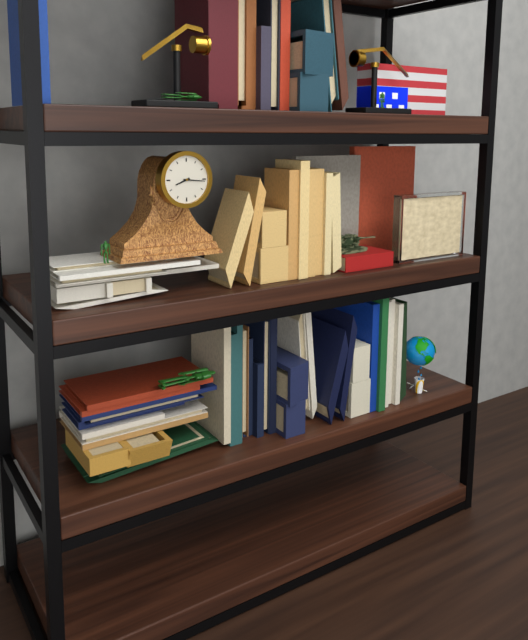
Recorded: h=8 m=16
